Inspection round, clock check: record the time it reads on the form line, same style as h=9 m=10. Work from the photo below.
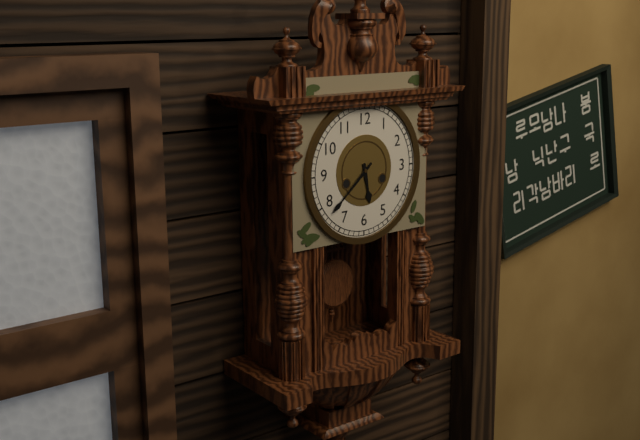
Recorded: h=5 m=38
